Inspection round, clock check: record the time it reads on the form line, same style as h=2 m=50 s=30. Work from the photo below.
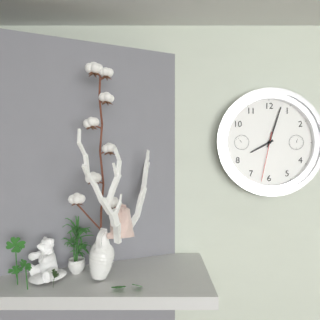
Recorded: h=8 m=3 s=32
